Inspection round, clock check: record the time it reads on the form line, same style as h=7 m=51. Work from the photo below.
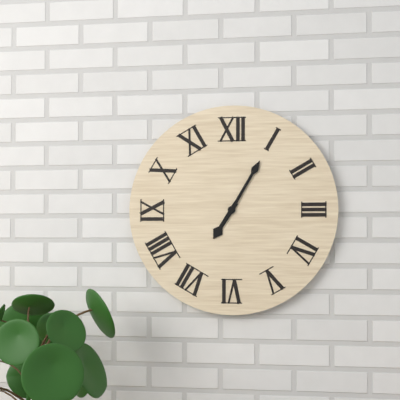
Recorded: h=7 m=5
